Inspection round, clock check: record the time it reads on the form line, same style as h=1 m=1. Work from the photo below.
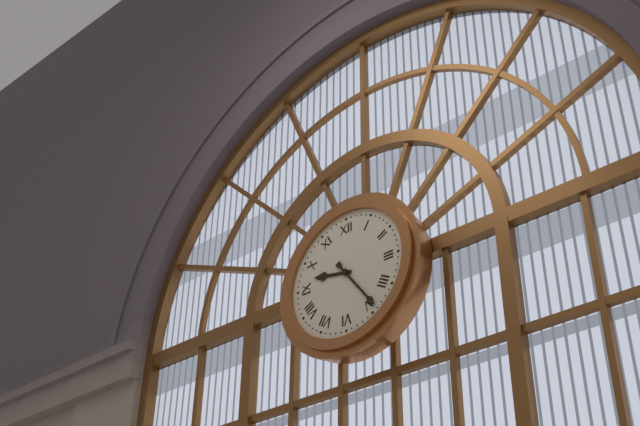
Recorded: h=9 m=24
